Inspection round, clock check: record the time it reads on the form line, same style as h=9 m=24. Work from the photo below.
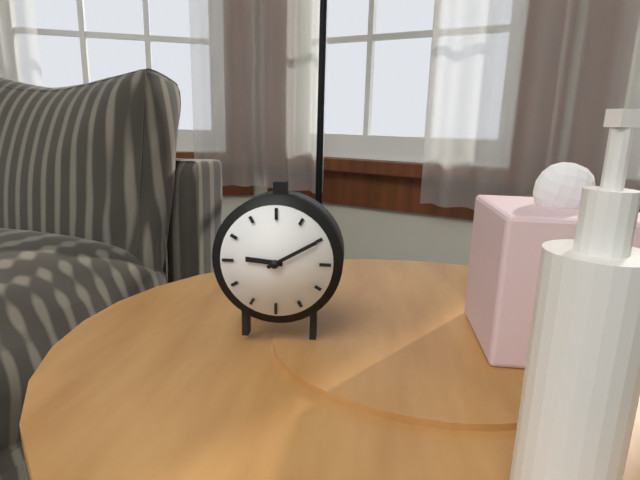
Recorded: h=9 m=10
